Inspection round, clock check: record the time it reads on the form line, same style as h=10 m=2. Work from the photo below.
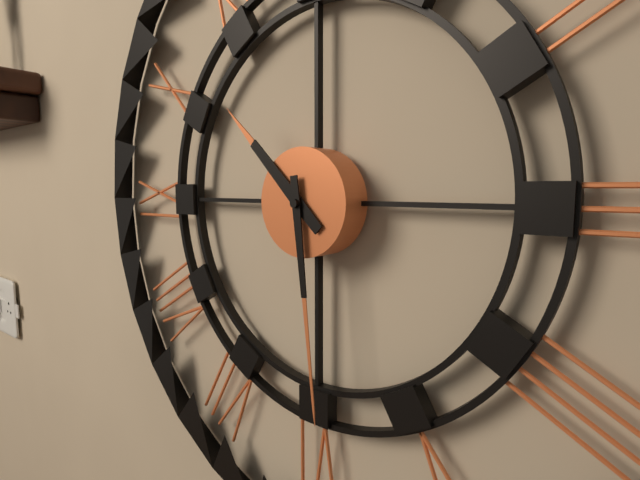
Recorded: h=10 m=29
